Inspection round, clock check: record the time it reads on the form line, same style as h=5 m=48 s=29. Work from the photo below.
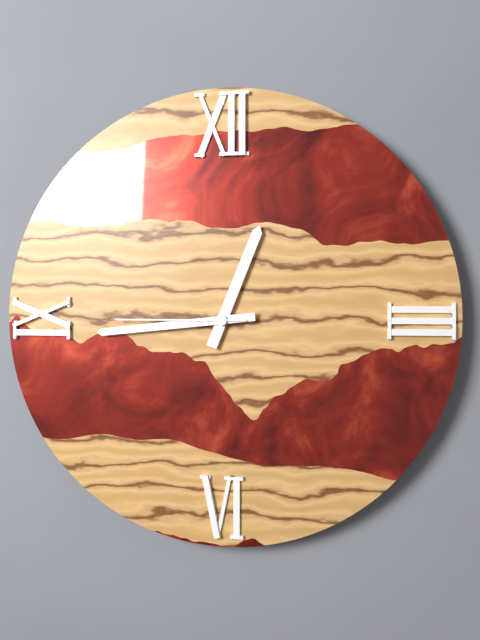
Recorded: h=12 m=44 s=45
